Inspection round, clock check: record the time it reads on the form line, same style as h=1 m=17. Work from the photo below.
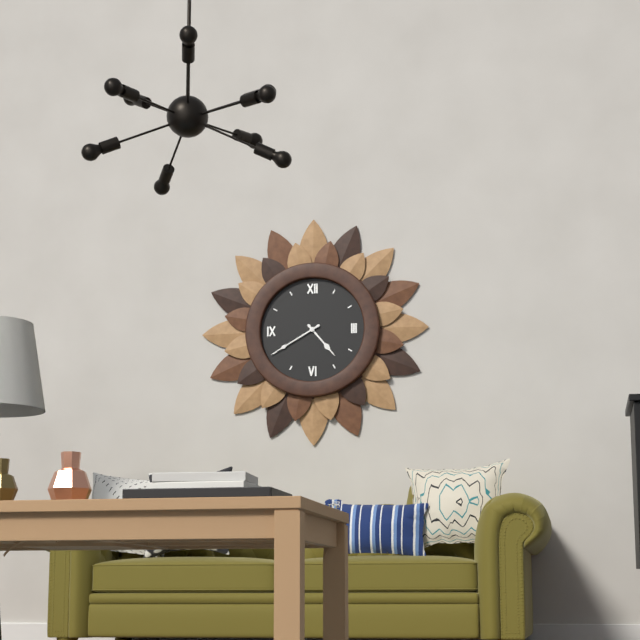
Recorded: h=4 m=40
